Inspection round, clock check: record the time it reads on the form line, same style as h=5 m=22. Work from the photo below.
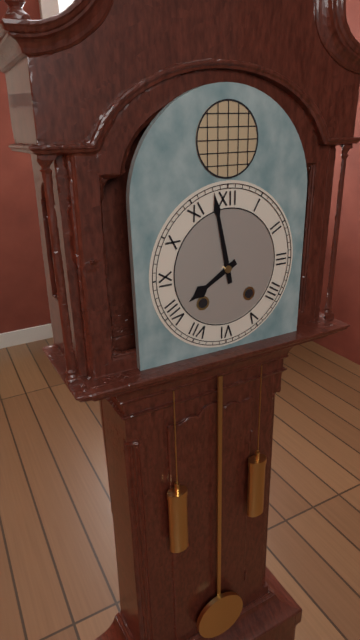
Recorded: h=7 m=58
